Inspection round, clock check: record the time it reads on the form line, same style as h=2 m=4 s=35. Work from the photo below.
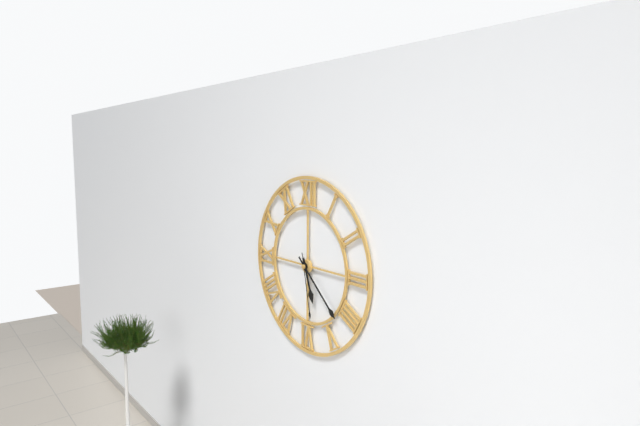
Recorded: h=5 m=22 s=28
